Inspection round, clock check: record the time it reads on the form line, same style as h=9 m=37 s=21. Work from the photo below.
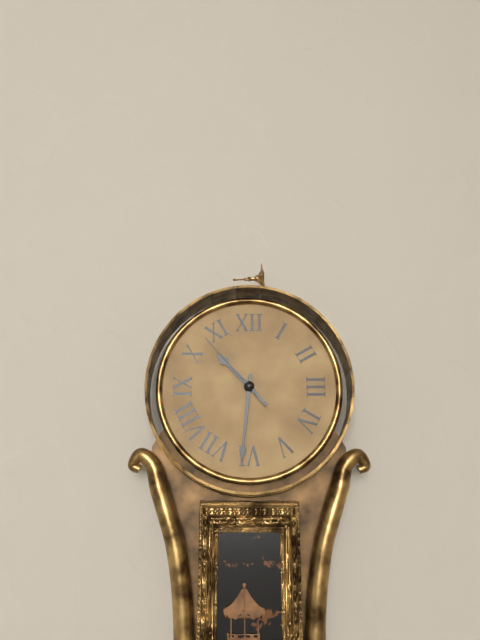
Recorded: h=10 m=31 s=53
